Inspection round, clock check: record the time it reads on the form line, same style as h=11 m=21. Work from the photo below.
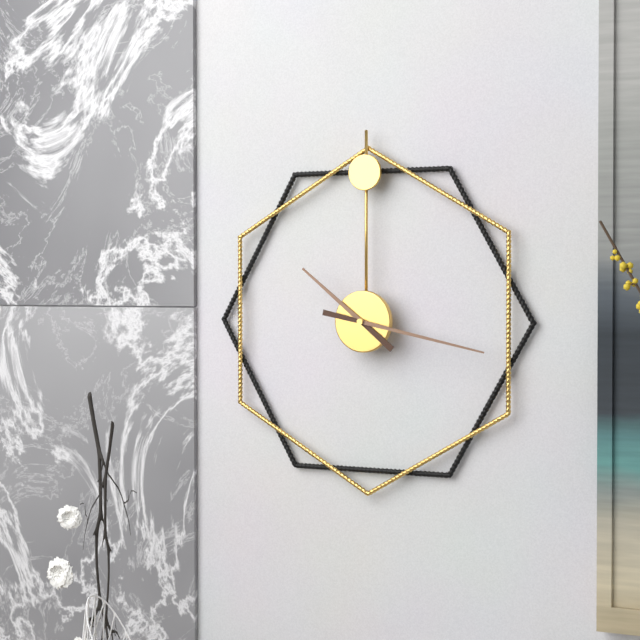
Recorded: h=10 m=17
